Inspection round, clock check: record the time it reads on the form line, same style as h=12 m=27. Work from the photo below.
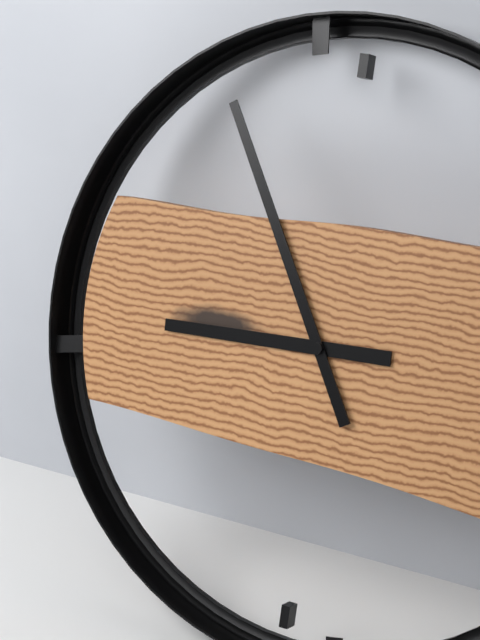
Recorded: h=8 m=55
